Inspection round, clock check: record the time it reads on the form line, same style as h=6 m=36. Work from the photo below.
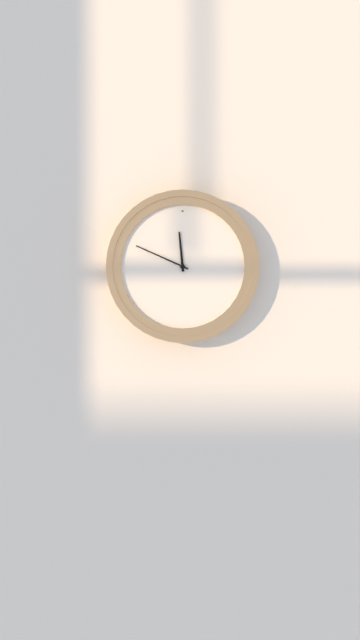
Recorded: h=11 m=49
